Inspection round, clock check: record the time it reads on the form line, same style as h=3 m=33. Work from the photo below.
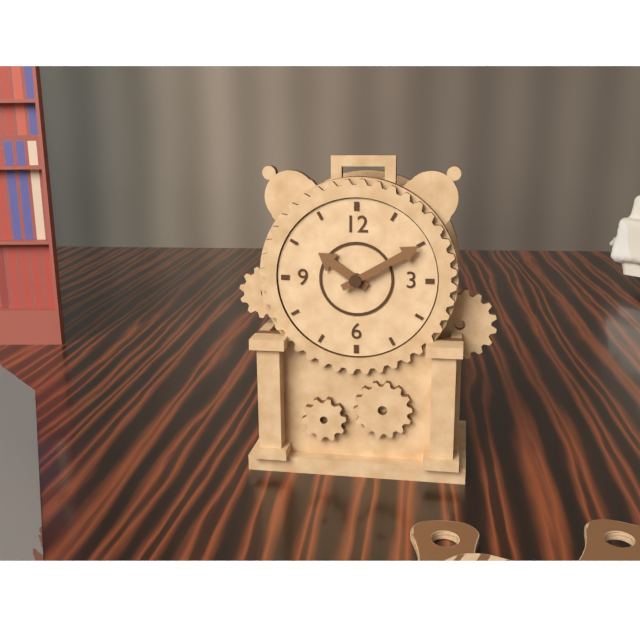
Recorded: h=10 m=10
